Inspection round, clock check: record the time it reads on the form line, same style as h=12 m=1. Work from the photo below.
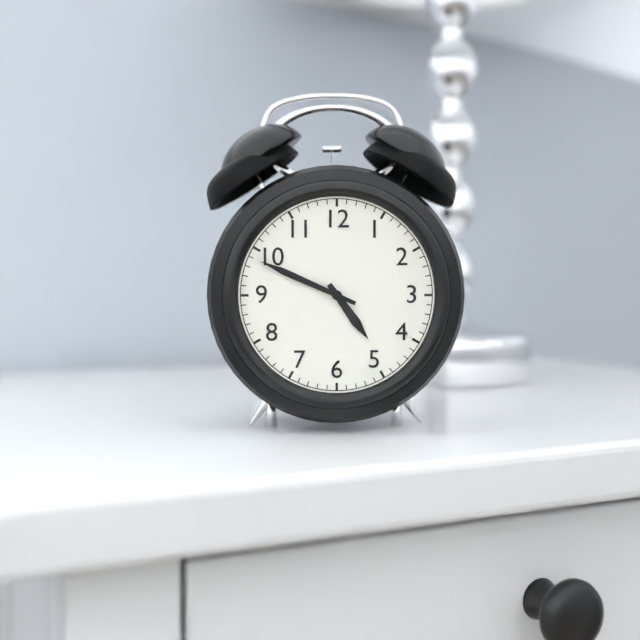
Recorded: h=4 m=49
